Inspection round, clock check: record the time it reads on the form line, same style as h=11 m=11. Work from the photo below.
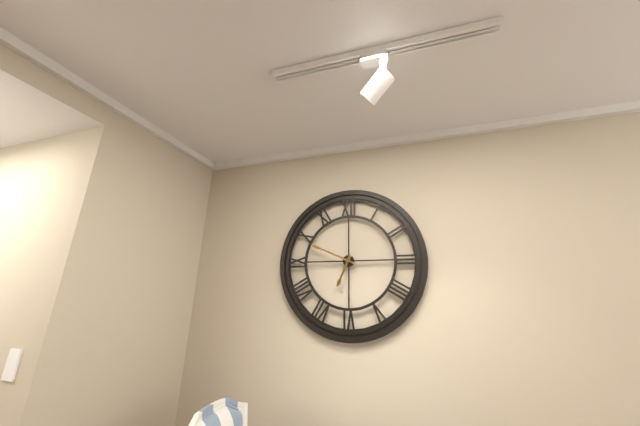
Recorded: h=6 m=49
